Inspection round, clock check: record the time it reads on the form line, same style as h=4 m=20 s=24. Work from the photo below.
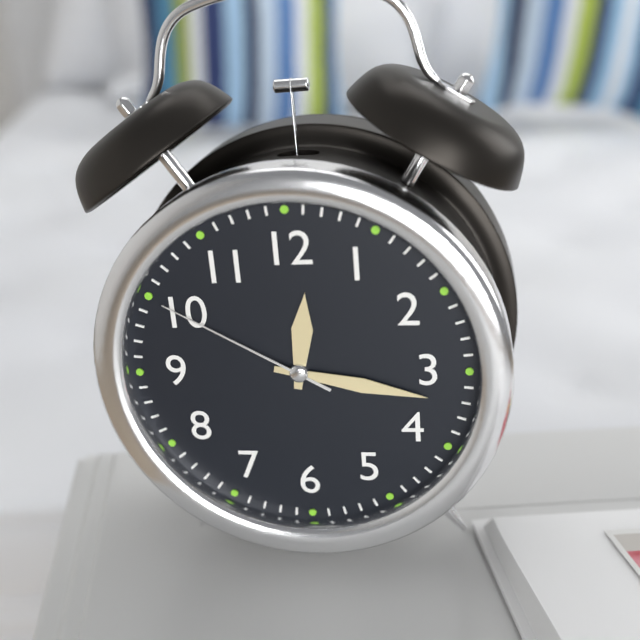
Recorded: h=12 m=17 s=50
